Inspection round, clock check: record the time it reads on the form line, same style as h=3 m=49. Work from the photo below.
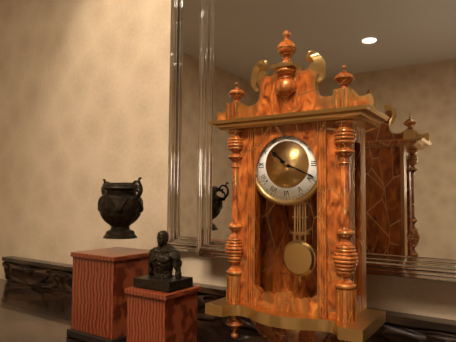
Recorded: h=10 m=19
